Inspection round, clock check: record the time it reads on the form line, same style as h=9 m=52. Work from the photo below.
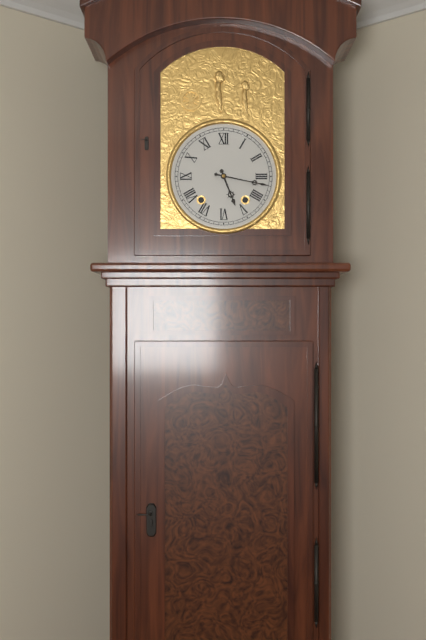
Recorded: h=5 m=17
